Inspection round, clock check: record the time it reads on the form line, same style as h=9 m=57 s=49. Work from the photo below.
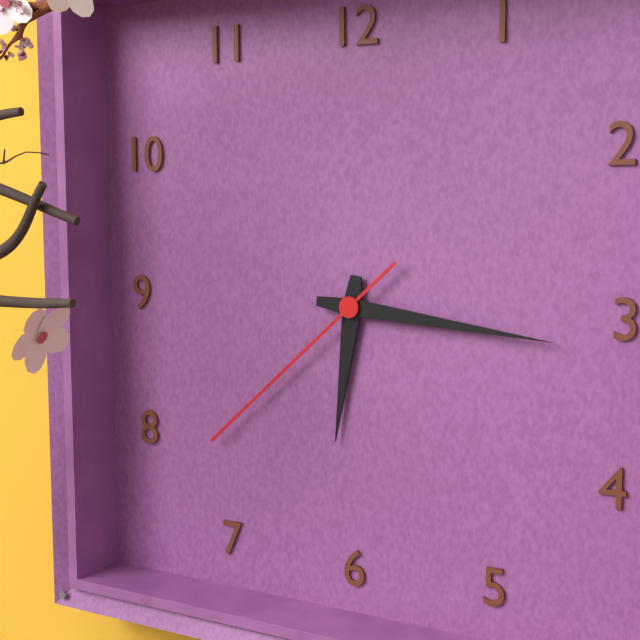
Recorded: h=6 m=16 s=38
